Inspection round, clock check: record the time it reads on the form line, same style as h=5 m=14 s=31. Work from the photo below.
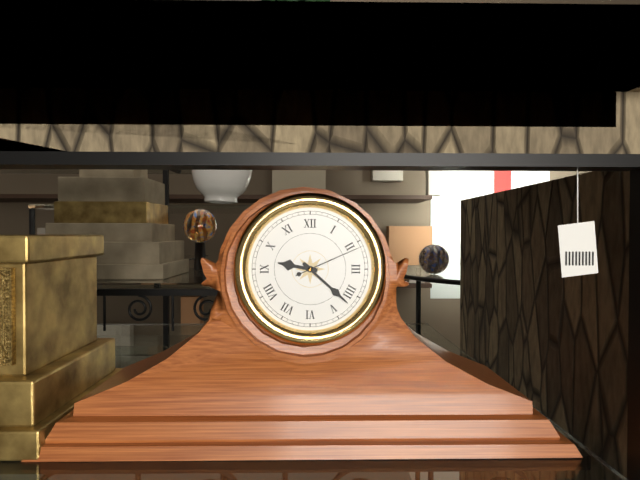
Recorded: h=9 m=22 s=11
